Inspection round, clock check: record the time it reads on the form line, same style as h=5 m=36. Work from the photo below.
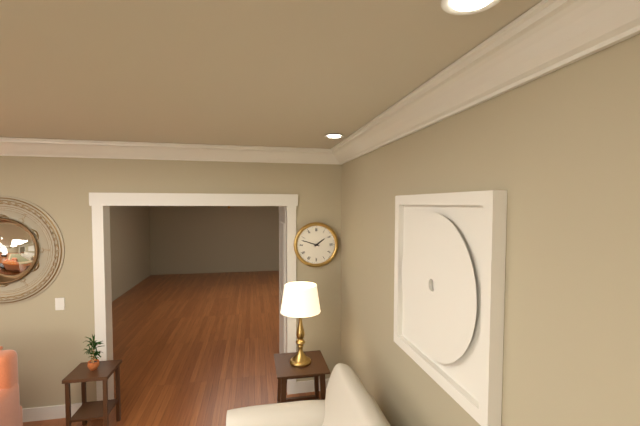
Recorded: h=1 m=48
